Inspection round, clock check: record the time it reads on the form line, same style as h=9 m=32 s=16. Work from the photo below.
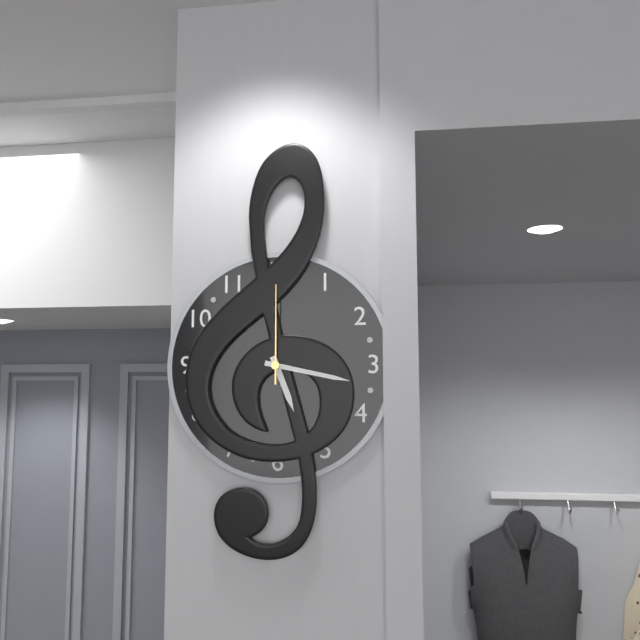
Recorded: h=5 m=17 s=0
